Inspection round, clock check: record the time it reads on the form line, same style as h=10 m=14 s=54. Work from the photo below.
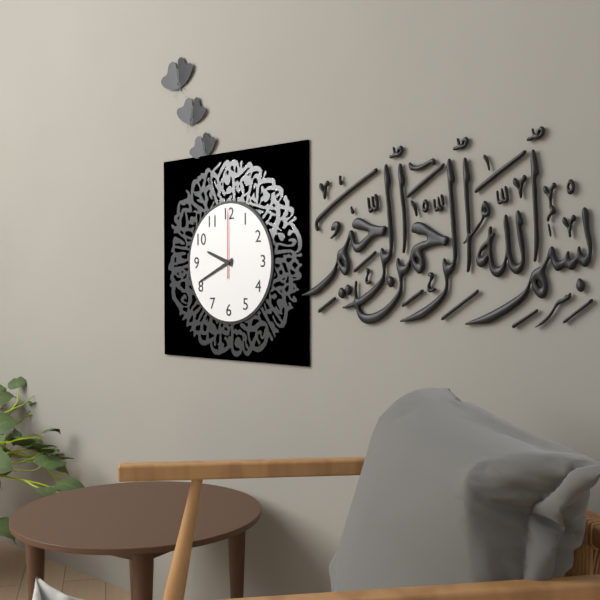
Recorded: h=9 m=41 s=0
